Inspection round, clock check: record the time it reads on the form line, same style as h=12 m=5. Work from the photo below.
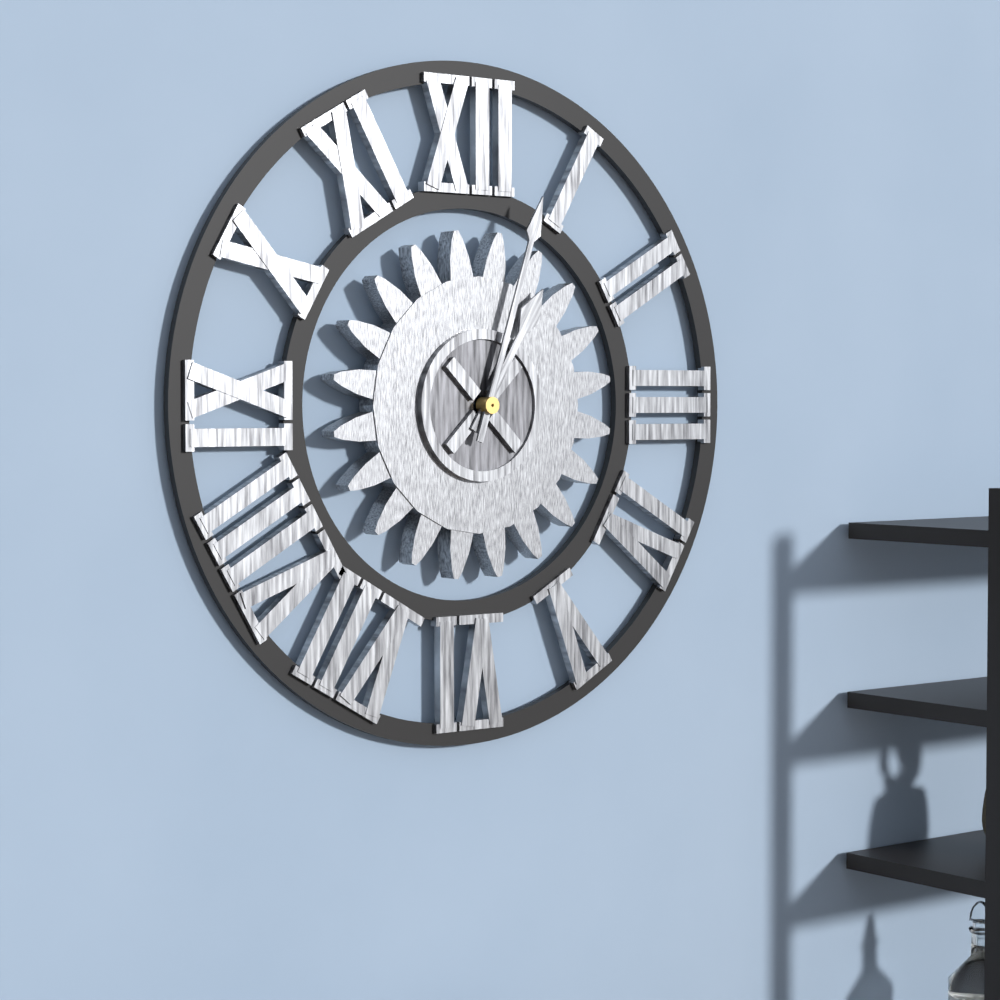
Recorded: h=1 m=3
